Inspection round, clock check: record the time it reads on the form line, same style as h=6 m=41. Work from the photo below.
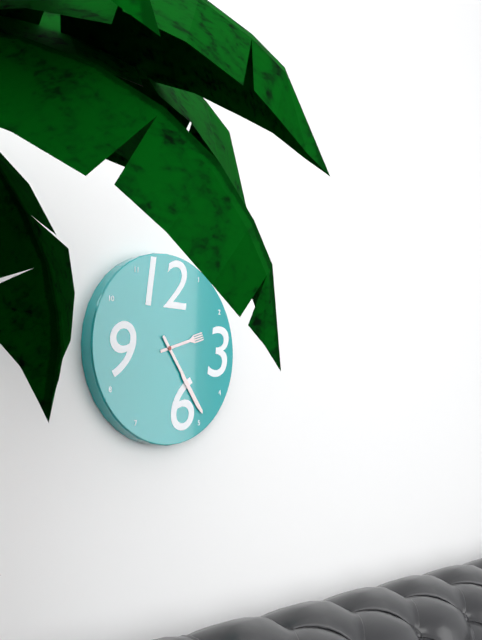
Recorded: h=2 m=24
